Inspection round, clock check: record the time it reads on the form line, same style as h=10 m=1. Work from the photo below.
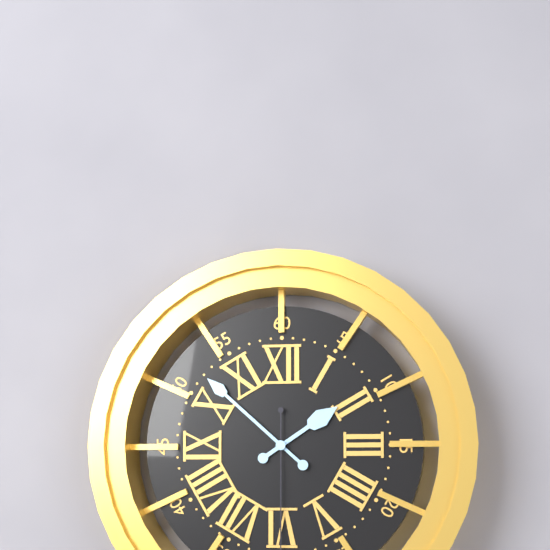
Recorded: h=1 m=52
